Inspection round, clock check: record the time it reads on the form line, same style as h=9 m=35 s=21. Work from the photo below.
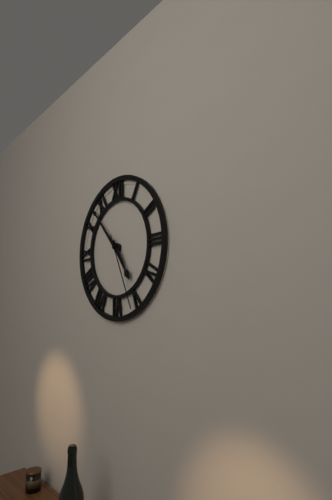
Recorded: h=4 m=53 s=26
